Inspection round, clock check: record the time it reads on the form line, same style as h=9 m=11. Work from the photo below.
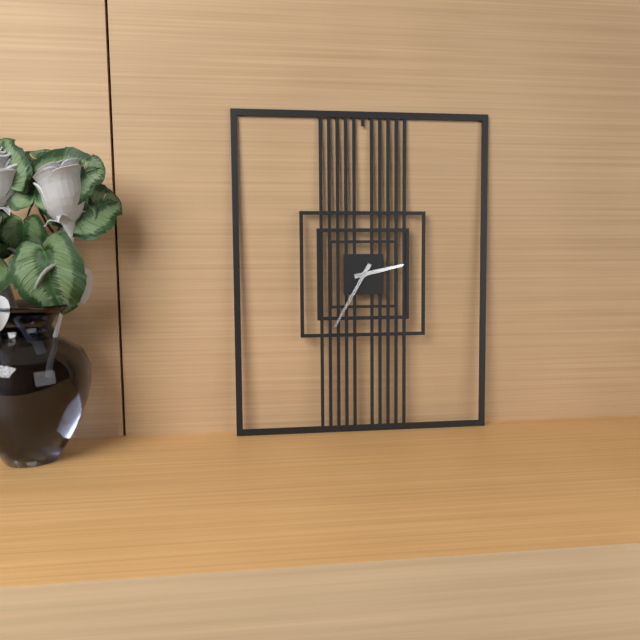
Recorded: h=2 m=35
